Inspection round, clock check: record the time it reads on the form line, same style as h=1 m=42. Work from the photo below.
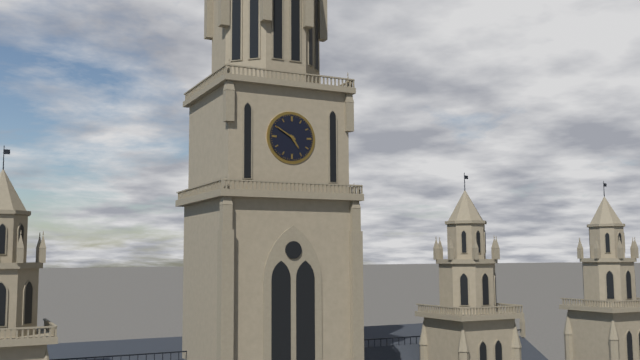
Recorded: h=4 m=50
